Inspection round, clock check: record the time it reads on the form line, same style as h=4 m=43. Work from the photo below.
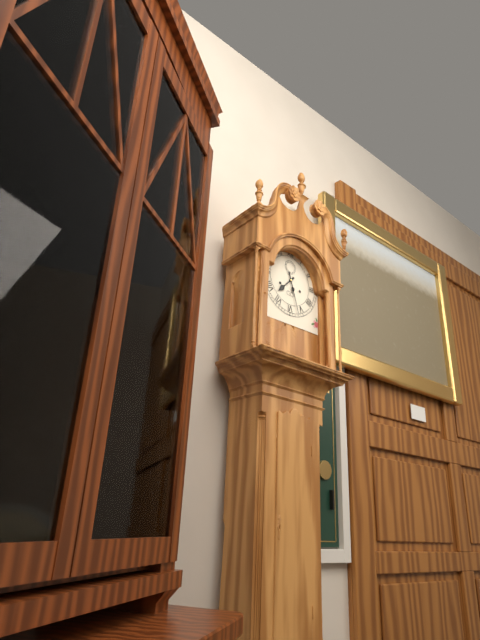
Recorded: h=7 m=27
